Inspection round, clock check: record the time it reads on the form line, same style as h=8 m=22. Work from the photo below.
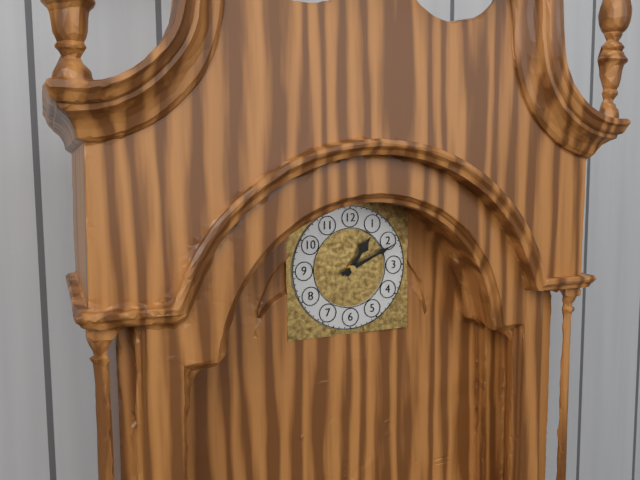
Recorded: h=1 m=11
